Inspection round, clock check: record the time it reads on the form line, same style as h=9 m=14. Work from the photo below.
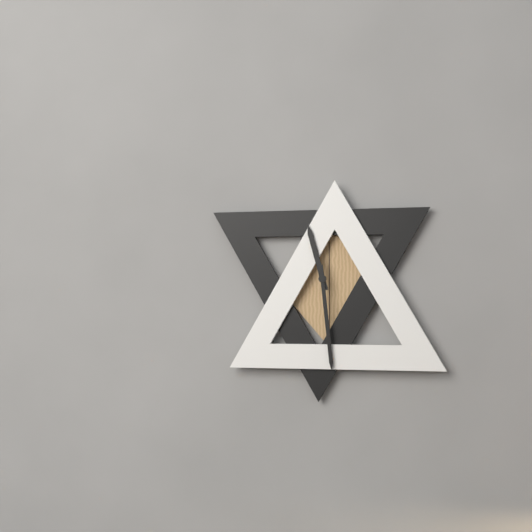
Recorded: h=11 m=29
